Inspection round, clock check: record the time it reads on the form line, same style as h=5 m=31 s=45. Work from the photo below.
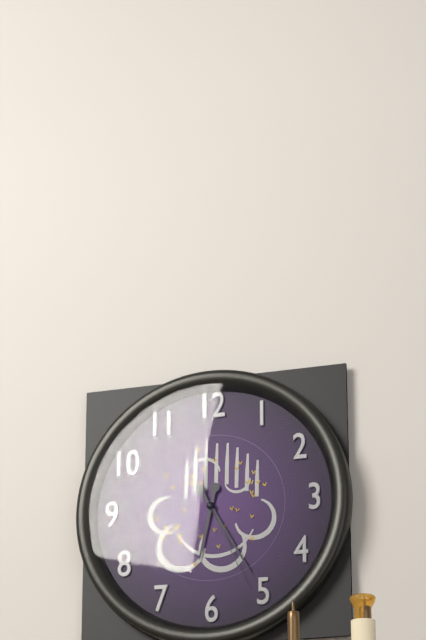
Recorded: h=6 m=25 s=26
